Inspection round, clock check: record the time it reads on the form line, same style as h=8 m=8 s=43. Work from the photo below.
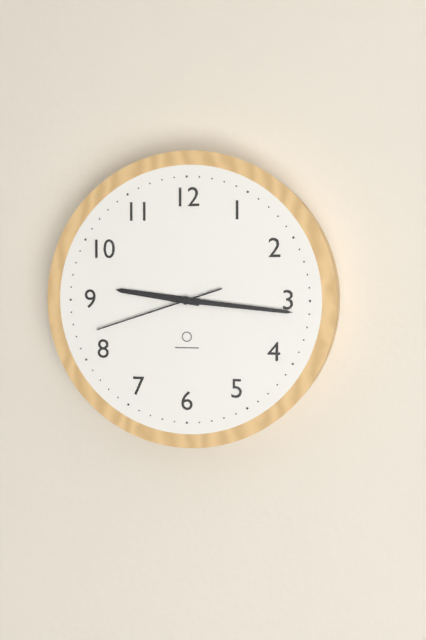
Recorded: h=9 m=16 s=42
